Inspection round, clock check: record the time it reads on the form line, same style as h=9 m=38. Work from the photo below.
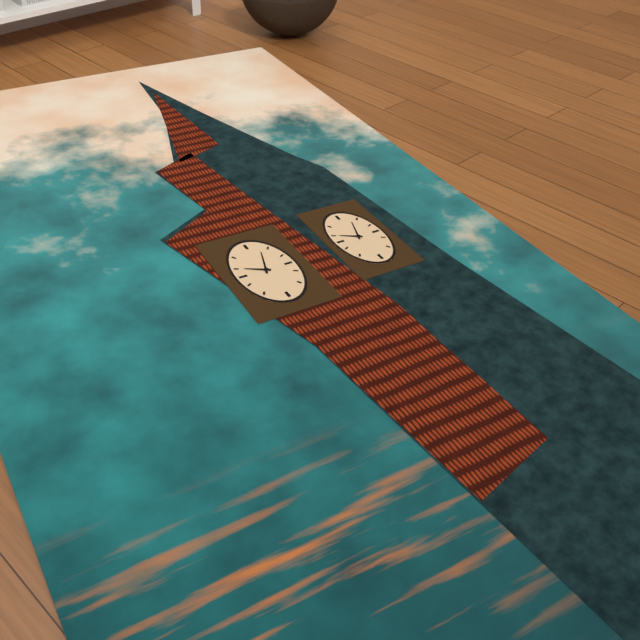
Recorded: h=10 m=3
